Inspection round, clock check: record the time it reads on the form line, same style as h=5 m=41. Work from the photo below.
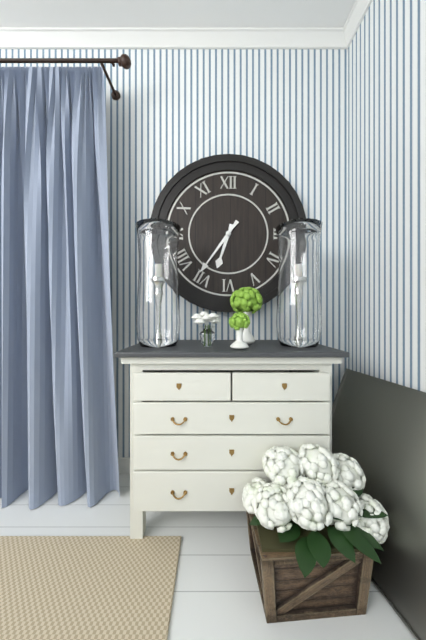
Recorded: h=6 m=36
